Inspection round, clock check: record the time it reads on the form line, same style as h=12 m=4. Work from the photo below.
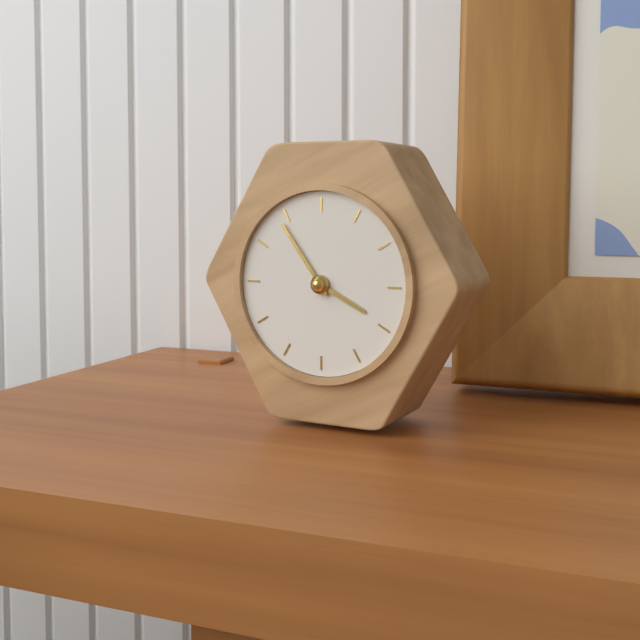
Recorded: h=3 m=54
